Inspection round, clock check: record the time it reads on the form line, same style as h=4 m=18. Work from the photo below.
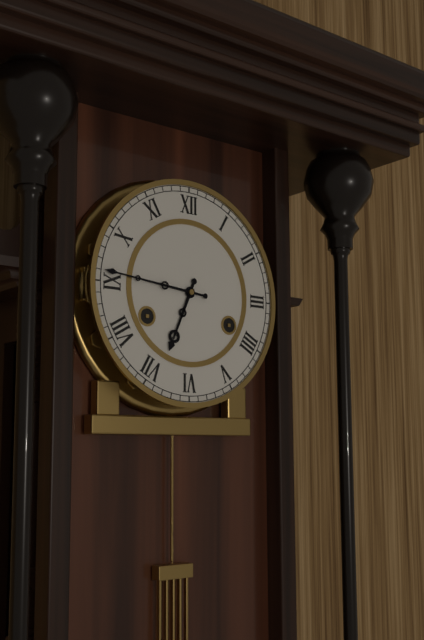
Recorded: h=6 m=46
